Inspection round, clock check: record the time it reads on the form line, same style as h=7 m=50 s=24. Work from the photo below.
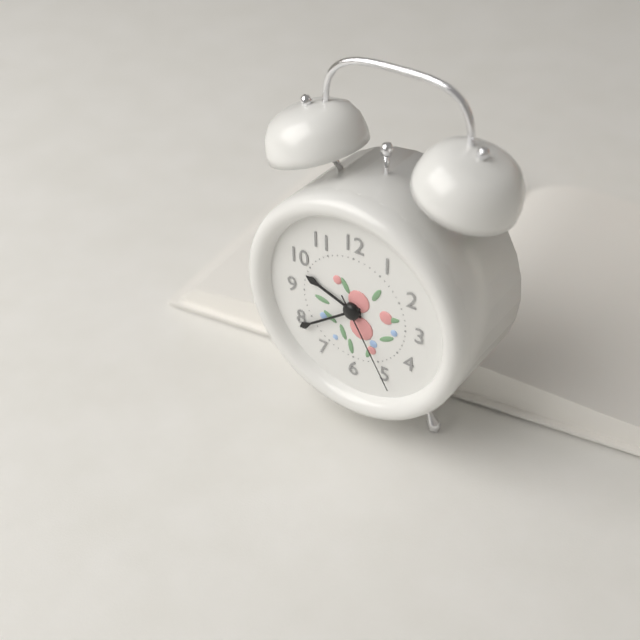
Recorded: h=9 m=39 s=25
